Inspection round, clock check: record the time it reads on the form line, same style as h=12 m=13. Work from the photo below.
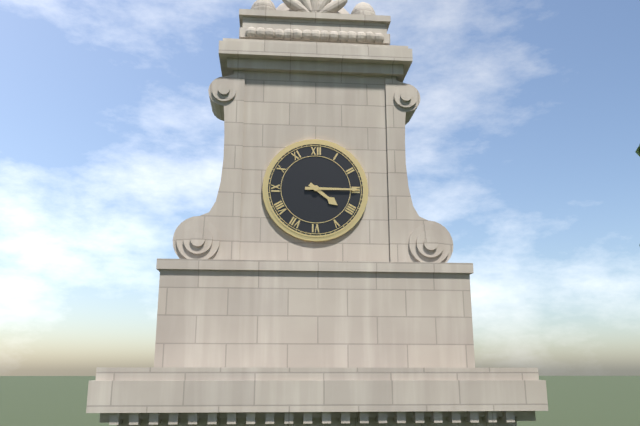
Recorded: h=4 m=15
